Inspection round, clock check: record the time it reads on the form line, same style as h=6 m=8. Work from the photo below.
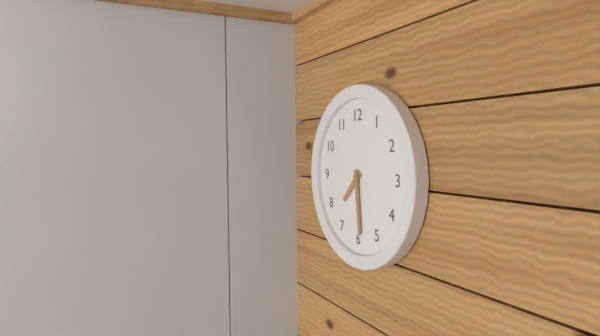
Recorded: h=7 m=29
